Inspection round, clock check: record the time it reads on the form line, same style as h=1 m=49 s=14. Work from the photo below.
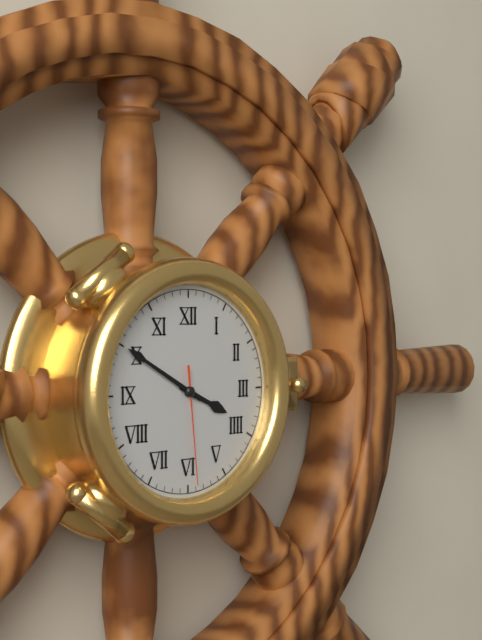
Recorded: h=3 m=50 s=29
